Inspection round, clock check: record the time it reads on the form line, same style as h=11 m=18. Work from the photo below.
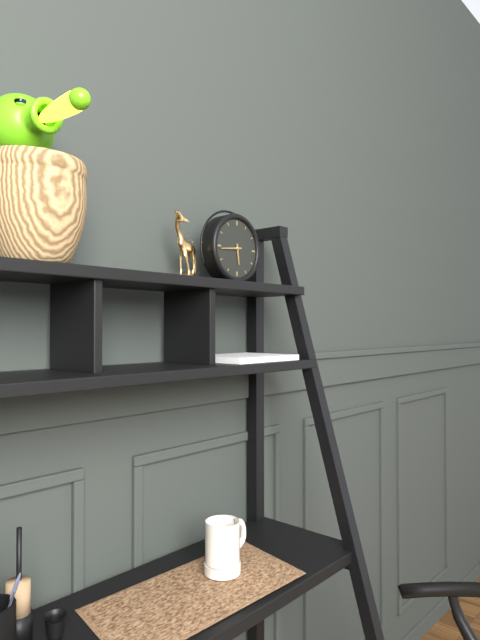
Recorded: h=5 m=44
